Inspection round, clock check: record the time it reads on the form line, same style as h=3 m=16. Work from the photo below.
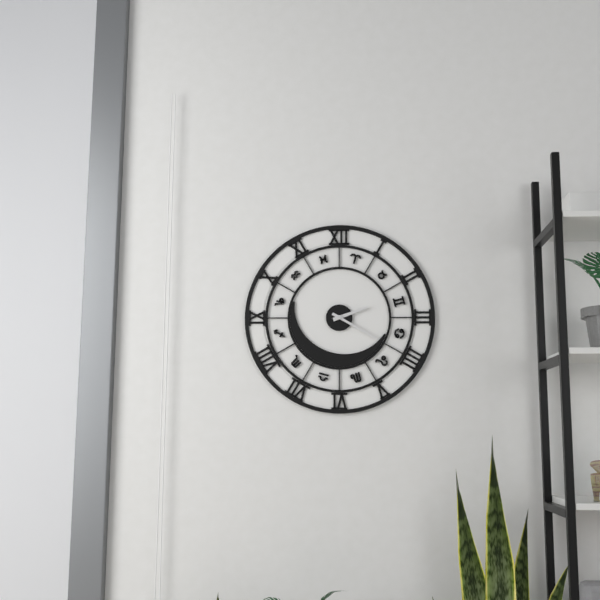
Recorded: h=2 m=20
